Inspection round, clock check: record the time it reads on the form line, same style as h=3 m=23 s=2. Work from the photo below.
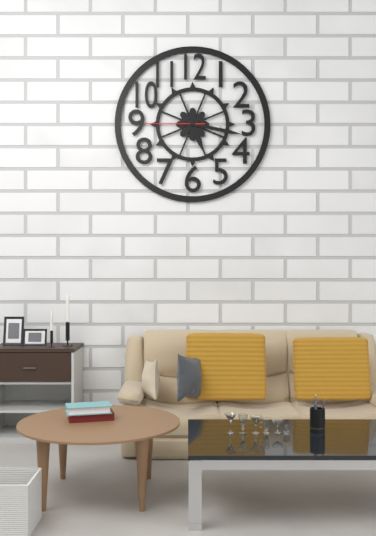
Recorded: h=5 m=17 s=45
